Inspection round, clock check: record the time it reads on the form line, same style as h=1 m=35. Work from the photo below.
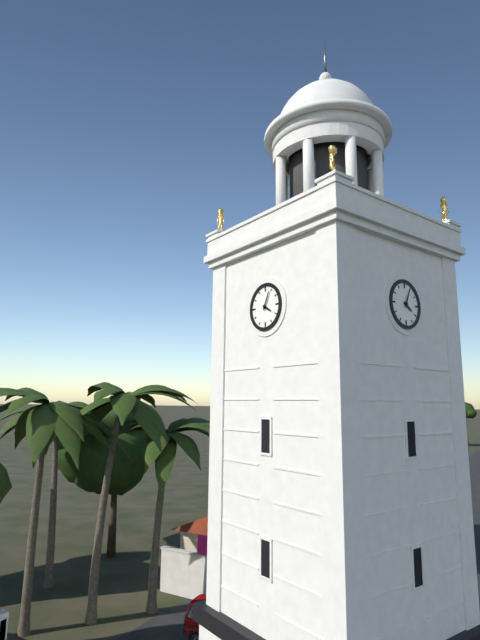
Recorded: h=4 m=4
